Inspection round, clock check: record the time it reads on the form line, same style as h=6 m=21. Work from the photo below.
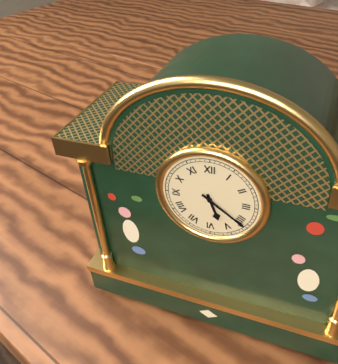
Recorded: h=5 m=21
